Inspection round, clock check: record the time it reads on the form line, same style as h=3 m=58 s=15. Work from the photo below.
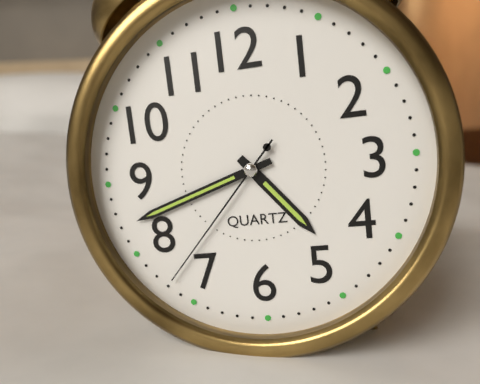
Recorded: h=4 m=42 s=37
